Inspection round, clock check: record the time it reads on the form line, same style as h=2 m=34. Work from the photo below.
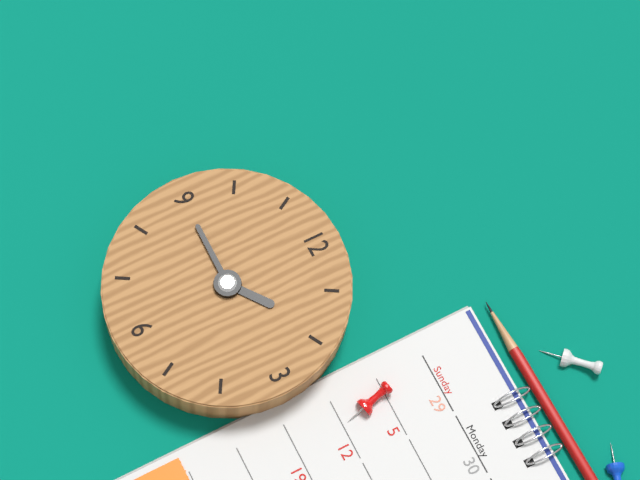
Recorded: h=1 m=45
